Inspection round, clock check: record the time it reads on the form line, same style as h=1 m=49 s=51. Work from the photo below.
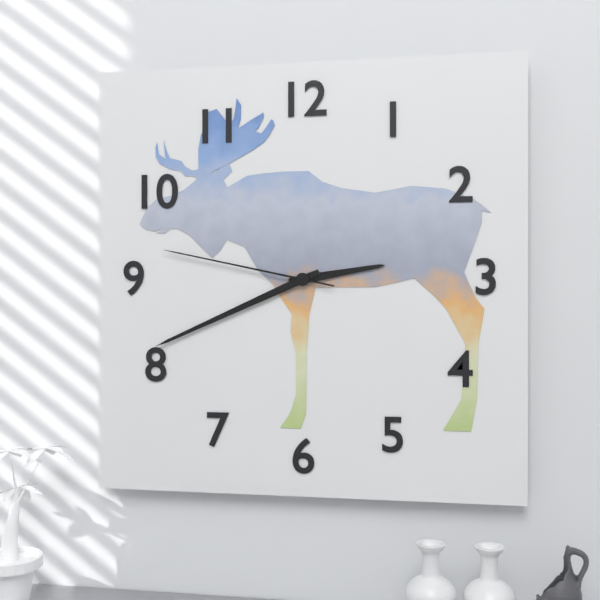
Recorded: h=2 m=41 s=47
